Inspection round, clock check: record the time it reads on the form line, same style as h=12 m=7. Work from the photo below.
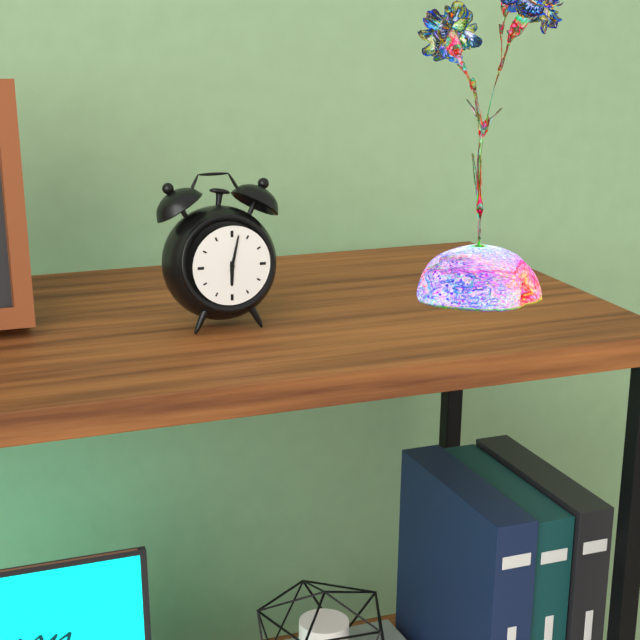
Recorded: h=6 m=2
